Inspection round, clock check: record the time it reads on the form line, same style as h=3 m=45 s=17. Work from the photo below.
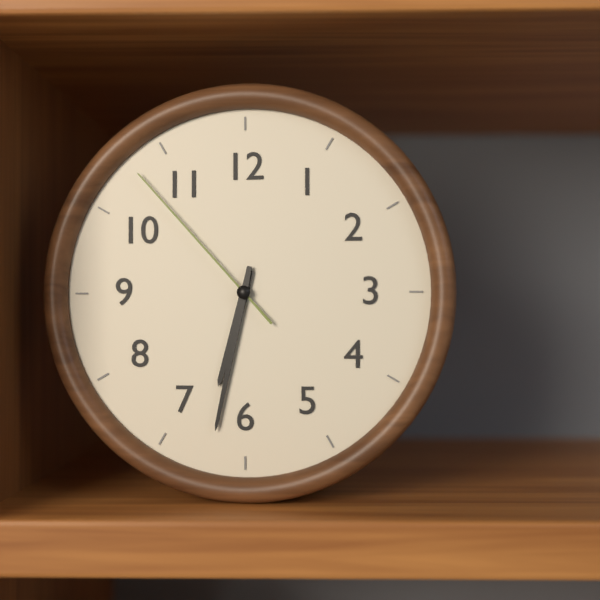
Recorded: h=6 m=32 s=53
